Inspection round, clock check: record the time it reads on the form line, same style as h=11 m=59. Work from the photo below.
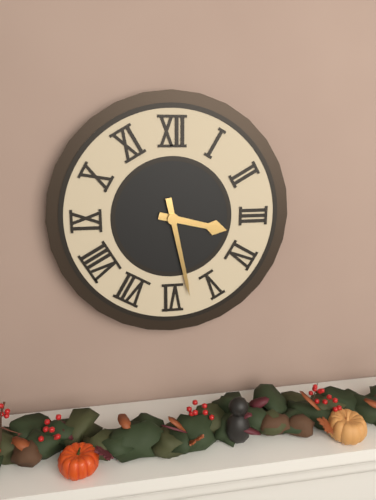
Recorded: h=3 m=28
